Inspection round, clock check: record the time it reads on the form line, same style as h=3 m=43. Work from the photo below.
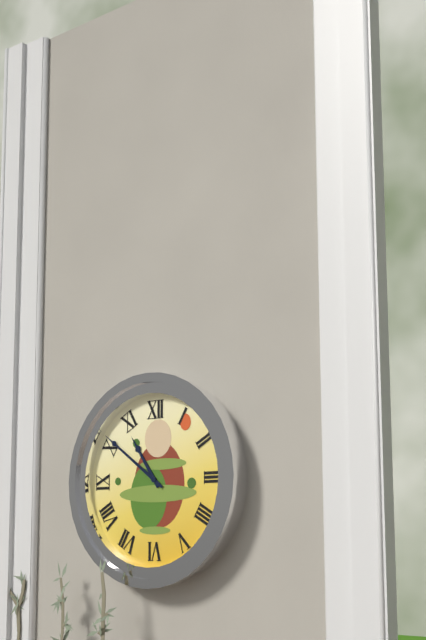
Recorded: h=10 m=51
